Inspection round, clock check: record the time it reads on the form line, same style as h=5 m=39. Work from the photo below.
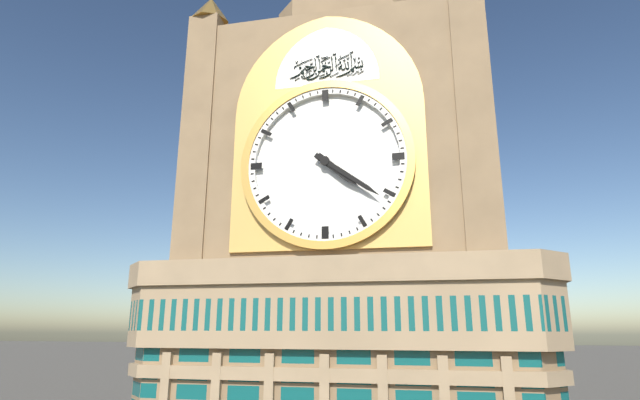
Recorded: h=4 m=21
